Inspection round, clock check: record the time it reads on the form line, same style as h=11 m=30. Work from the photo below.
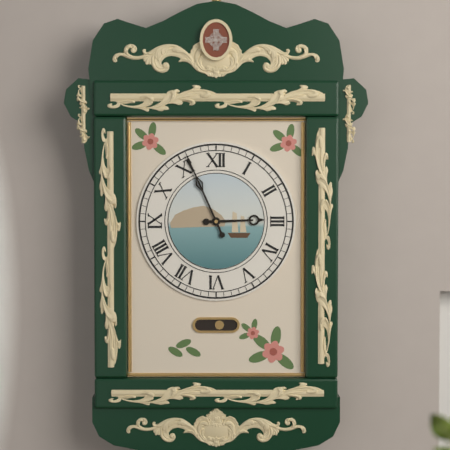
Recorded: h=2 m=56
